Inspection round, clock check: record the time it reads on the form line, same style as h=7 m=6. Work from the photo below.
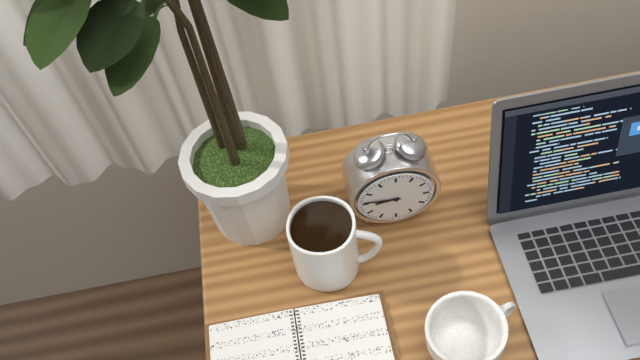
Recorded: h=8 m=46
